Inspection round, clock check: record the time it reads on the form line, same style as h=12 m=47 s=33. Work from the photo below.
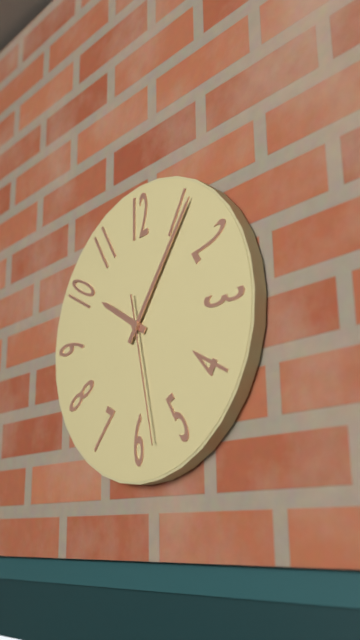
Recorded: h=10 m=6 s=28
